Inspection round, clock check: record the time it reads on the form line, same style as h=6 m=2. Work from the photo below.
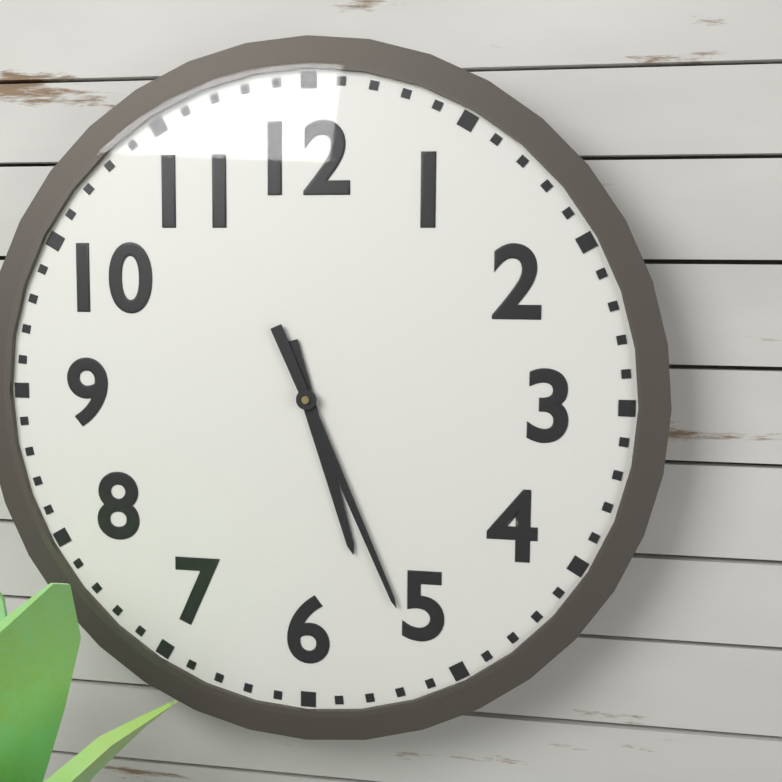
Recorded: h=5 m=26
